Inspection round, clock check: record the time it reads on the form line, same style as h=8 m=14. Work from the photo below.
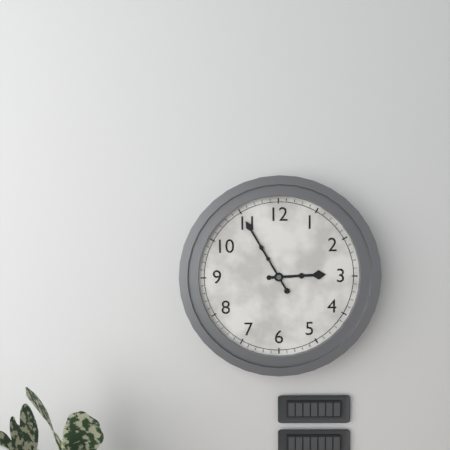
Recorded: h=2 m=55
